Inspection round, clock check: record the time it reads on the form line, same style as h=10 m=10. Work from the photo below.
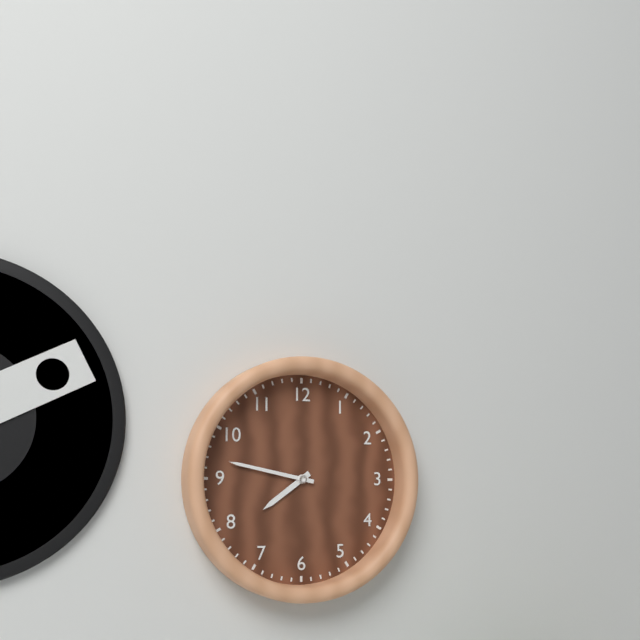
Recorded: h=7 m=47
